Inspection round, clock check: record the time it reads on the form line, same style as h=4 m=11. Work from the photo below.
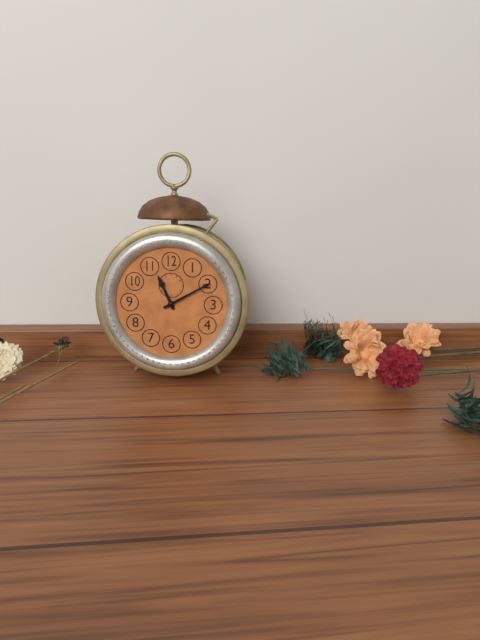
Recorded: h=11 m=10
